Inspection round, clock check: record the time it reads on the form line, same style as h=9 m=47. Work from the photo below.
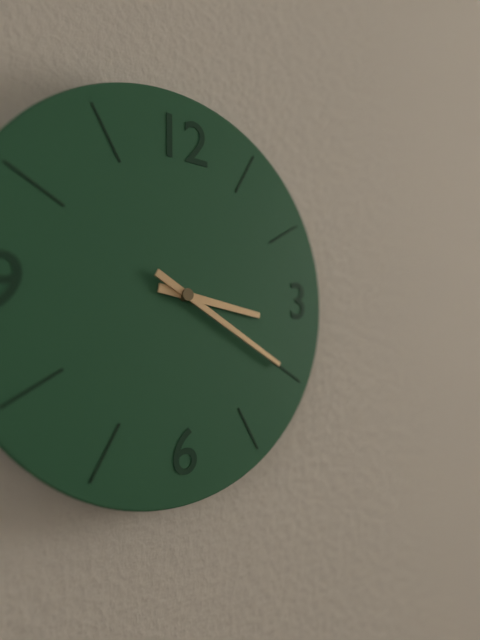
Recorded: h=3 m=20
